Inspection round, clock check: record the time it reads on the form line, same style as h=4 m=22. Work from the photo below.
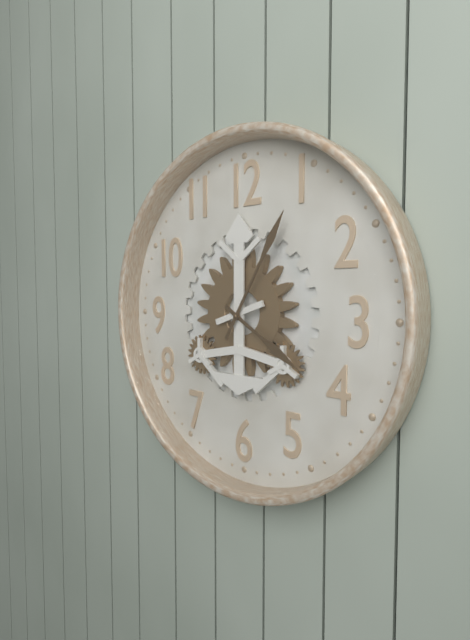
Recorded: h=4 m=5
